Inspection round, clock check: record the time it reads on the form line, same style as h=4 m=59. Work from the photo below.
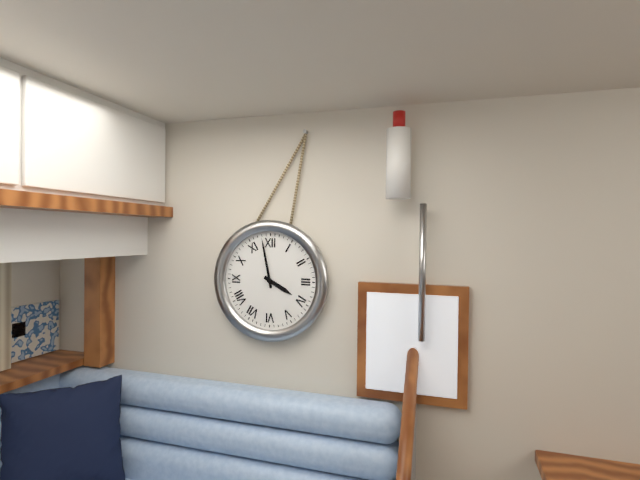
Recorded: h=3 m=58
